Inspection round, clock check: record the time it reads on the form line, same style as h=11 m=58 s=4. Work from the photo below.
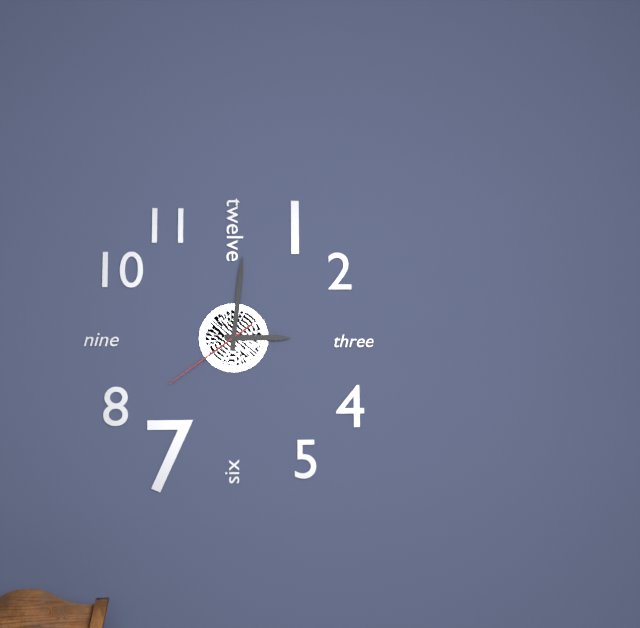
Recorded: h=3 m=1 s=39
